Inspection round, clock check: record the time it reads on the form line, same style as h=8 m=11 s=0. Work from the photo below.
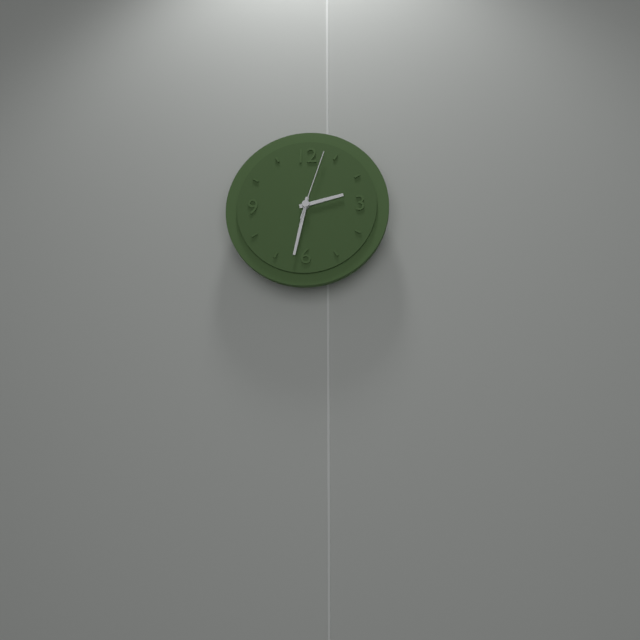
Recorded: h=2 m=32 s=3
